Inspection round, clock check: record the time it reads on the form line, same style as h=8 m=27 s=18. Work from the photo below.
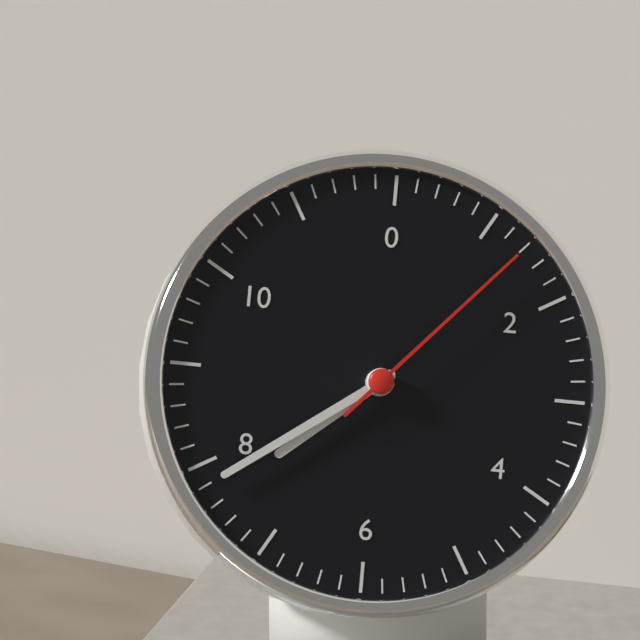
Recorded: h=7 m=39 s=7
